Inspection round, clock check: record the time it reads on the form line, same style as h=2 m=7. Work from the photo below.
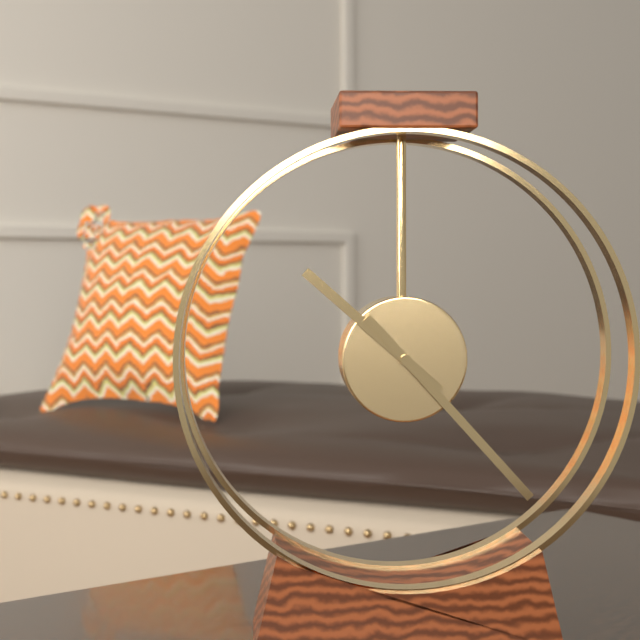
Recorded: h=10 m=23
